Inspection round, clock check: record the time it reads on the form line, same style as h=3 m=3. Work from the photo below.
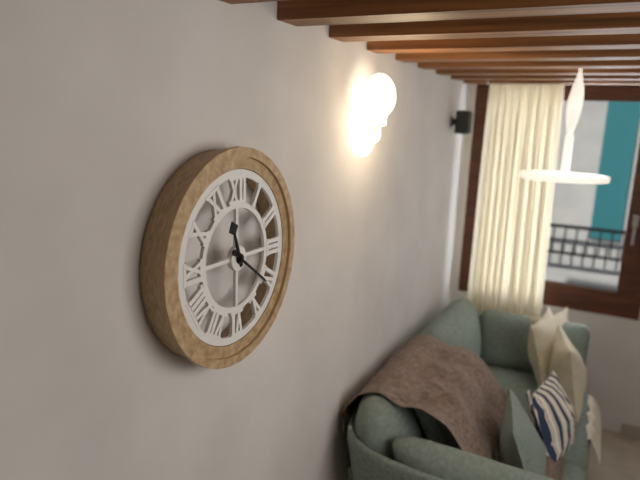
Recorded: h=11 m=21
